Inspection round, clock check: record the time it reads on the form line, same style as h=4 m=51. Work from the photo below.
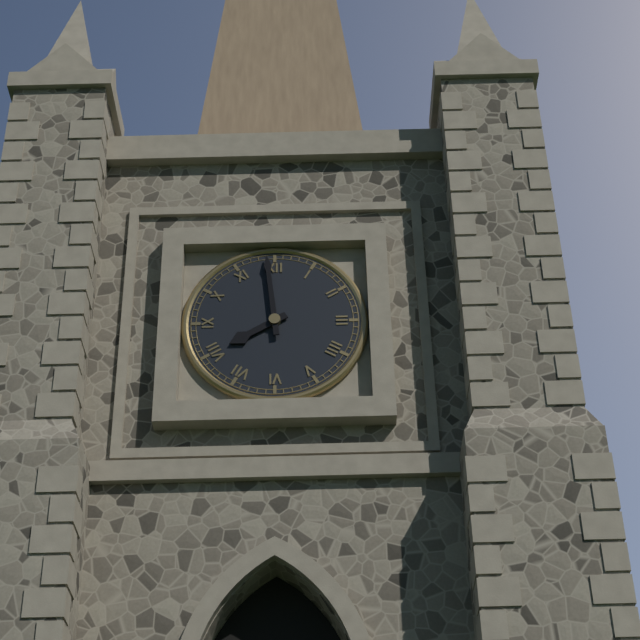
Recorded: h=7 m=59
